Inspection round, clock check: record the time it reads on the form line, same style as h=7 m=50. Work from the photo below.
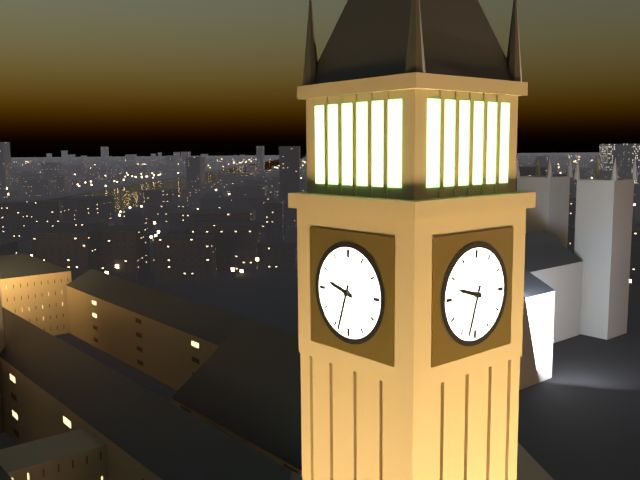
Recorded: h=9 m=33
